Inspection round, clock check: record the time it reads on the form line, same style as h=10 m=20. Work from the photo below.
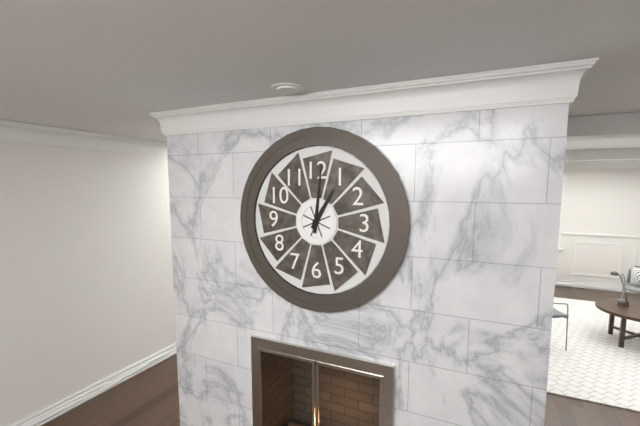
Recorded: h=1 m=1
